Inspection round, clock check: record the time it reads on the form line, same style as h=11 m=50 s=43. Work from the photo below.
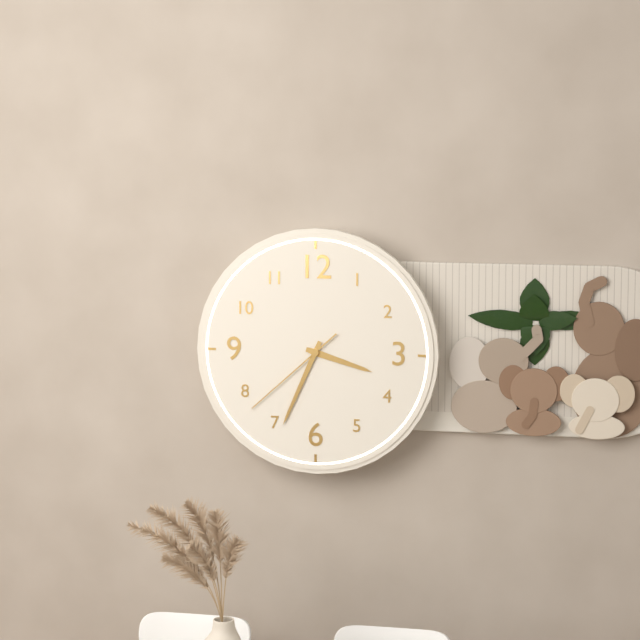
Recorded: h=3 m=34 s=38
